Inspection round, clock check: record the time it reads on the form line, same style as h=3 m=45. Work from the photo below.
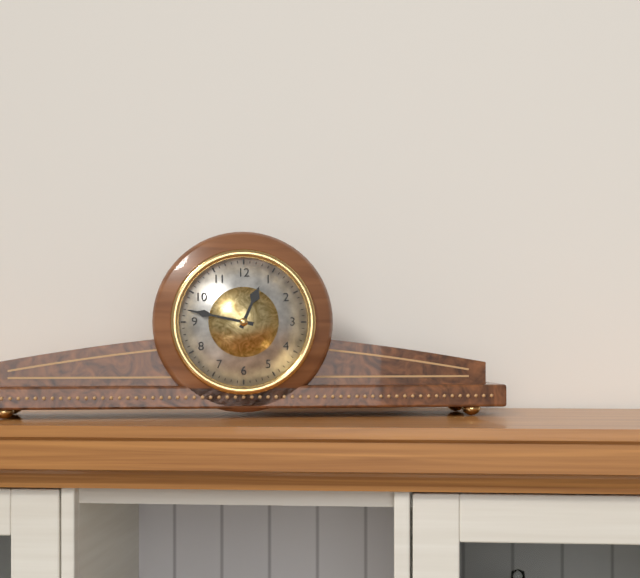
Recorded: h=12 m=47
